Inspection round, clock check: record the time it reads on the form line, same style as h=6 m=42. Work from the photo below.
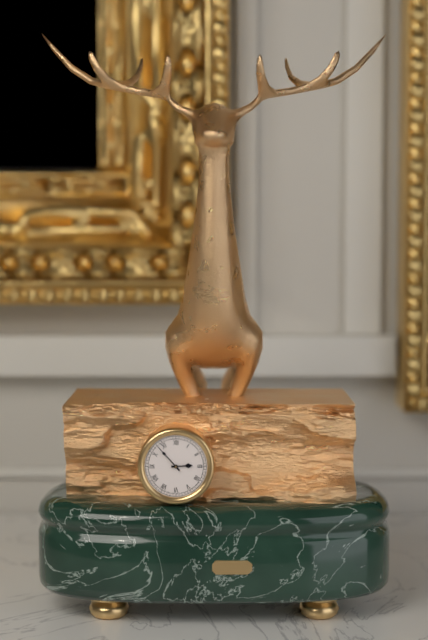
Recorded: h=2 m=53
